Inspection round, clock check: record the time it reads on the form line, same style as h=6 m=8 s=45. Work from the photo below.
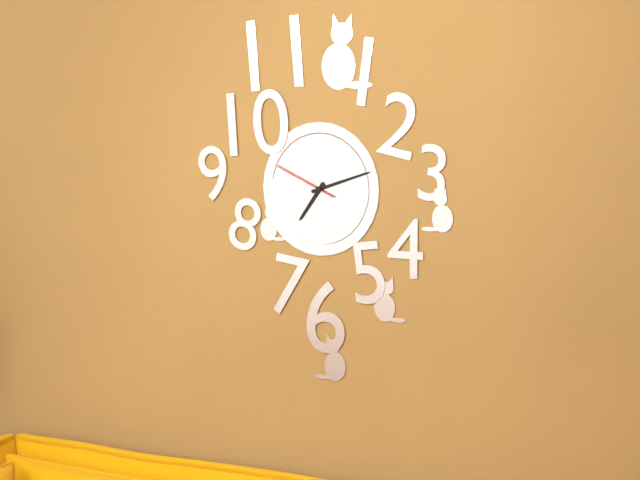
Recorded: h=7 m=12 s=49
